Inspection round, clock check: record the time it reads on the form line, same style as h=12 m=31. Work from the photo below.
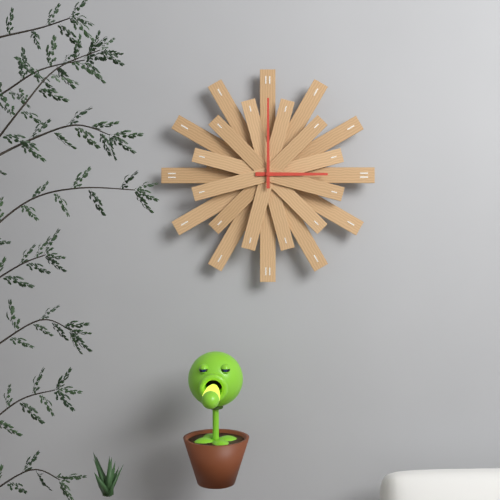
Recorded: h=3 m=0
